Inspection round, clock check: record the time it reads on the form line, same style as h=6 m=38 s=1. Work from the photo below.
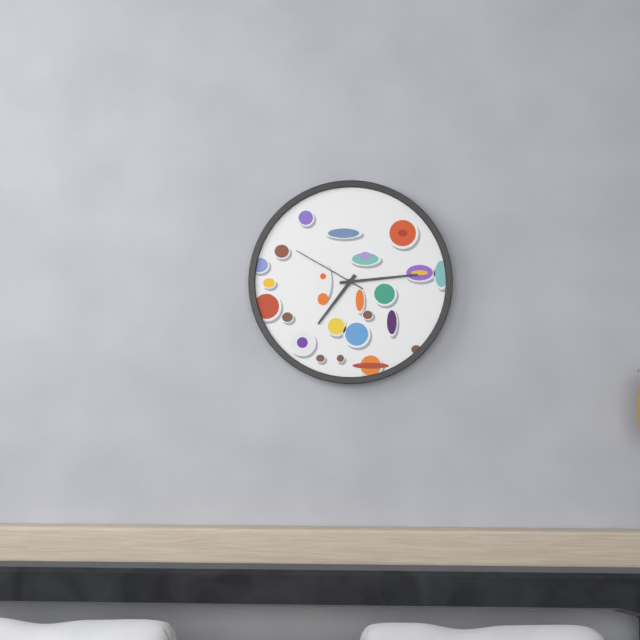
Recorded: h=7 m=14 s=50
